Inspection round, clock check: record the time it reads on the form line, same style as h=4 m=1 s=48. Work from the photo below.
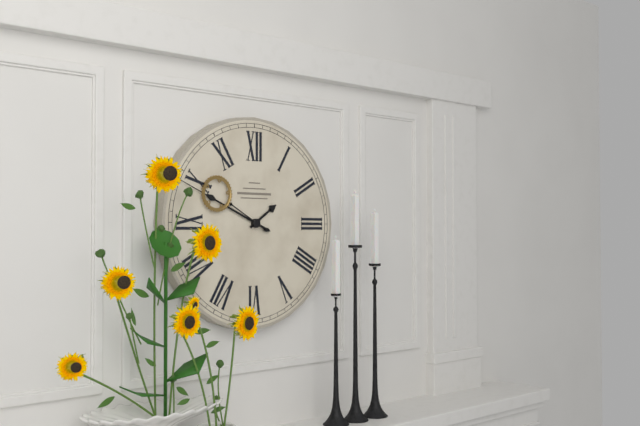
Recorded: h=1 m=49 s=50
